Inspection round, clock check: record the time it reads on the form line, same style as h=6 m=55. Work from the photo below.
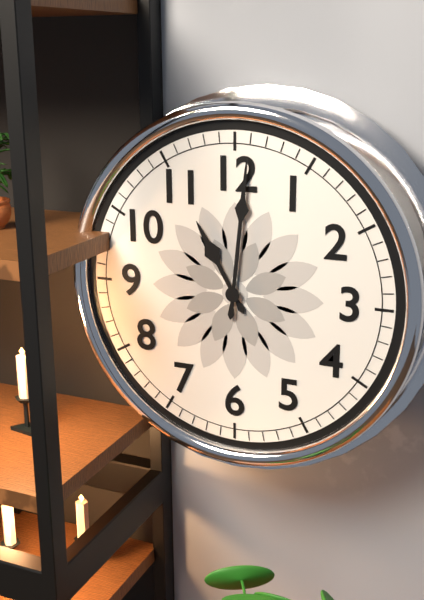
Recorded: h=11 m=1
